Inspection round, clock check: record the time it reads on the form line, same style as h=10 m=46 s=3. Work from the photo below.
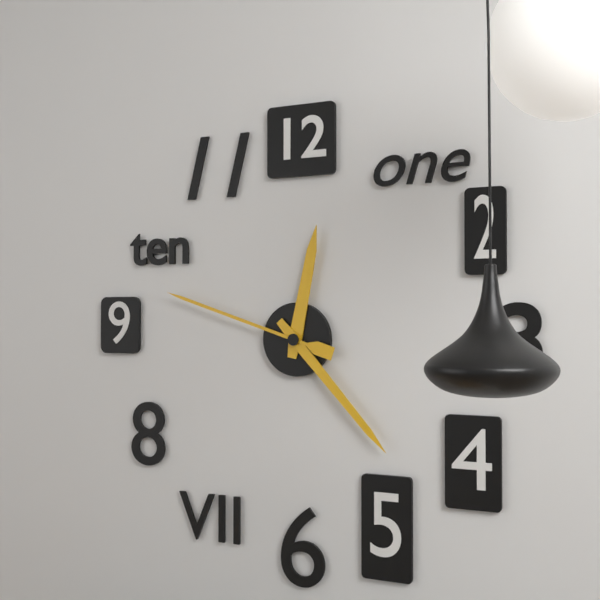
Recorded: h=12 m=23 s=48
